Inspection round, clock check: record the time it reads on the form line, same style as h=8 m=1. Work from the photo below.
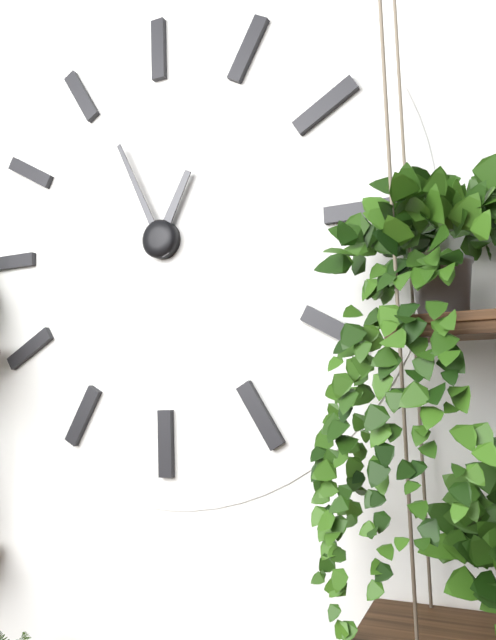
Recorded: h=12 m=56
